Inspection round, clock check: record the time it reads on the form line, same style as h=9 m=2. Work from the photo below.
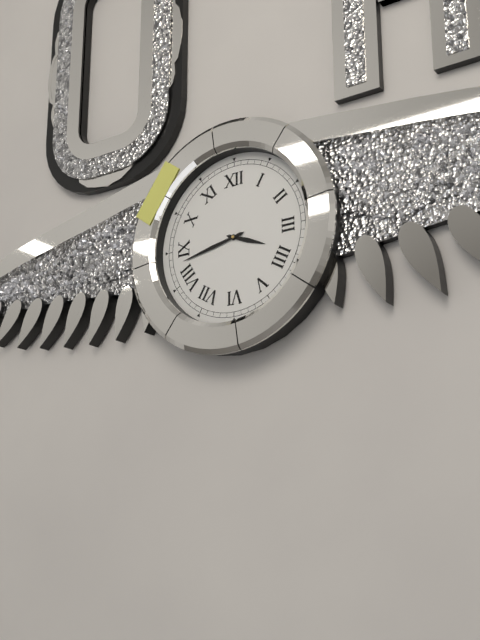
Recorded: h=3 m=43
